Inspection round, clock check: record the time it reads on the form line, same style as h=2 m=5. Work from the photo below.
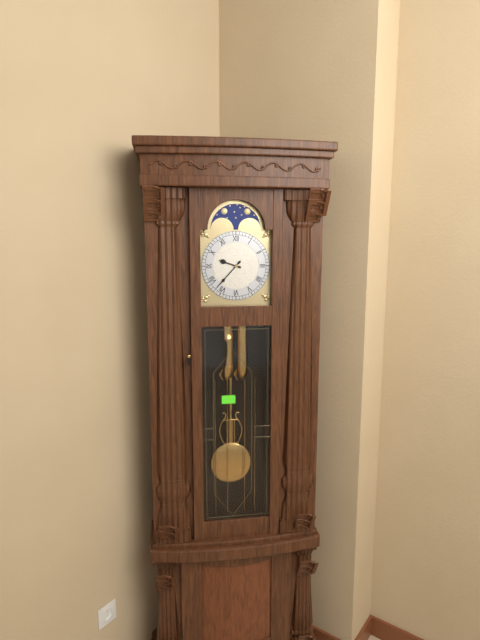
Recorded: h=9 m=37
